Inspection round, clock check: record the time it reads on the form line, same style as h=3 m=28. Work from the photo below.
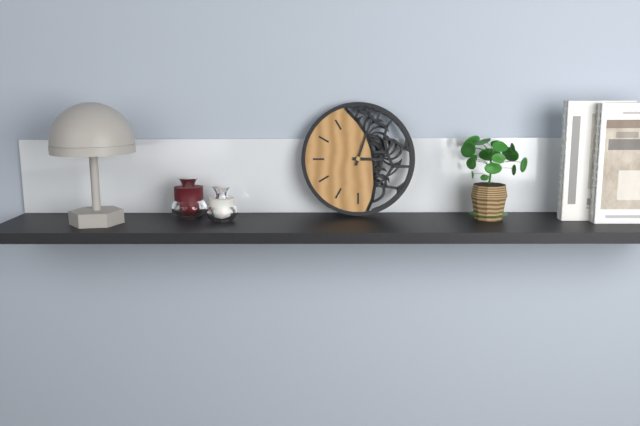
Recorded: h=3 m=3
